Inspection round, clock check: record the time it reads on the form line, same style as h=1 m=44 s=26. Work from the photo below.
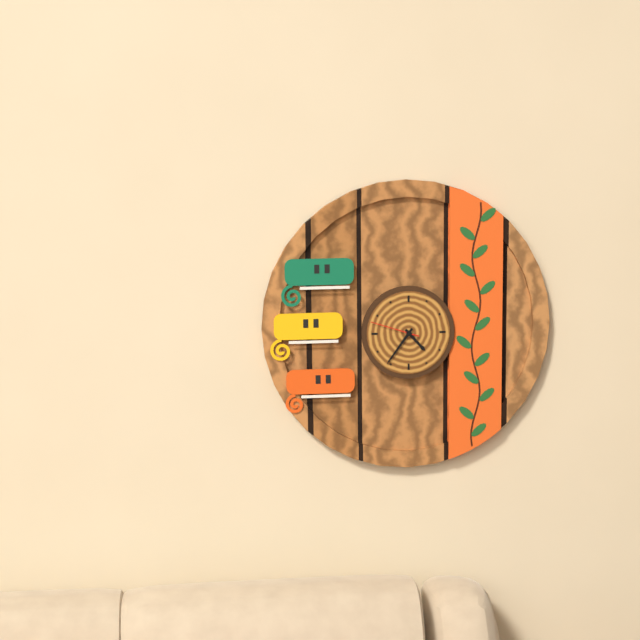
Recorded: h=4 m=36 s=48
